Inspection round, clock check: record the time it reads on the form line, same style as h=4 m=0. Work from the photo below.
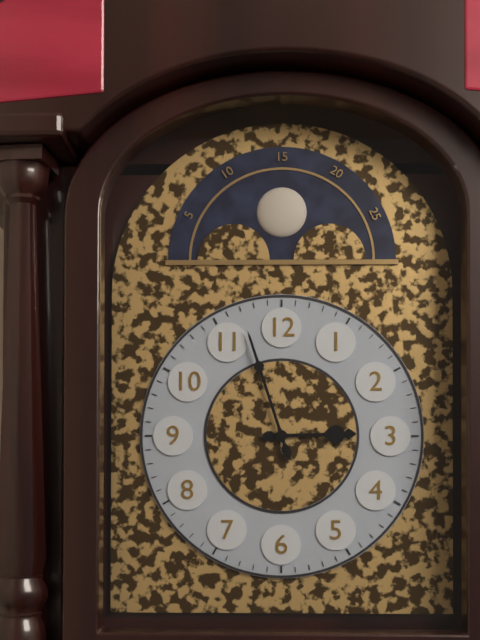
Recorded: h=2 m=57
